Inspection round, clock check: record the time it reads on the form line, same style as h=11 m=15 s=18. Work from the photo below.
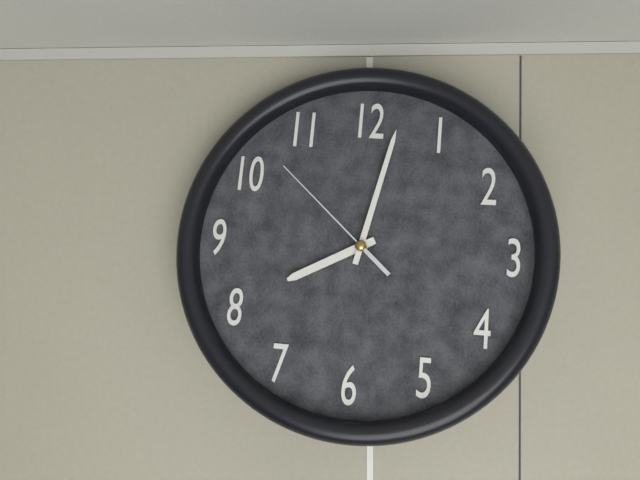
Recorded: h=8 m=2 s=52
